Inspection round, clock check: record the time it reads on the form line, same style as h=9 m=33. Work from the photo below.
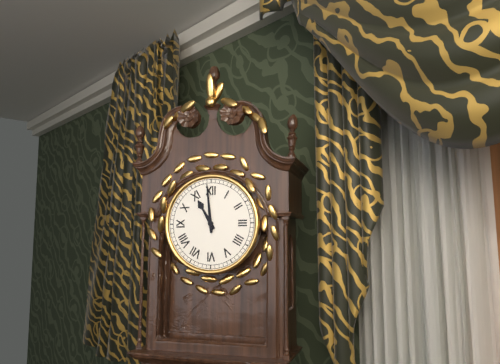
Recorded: h=10 m=59
